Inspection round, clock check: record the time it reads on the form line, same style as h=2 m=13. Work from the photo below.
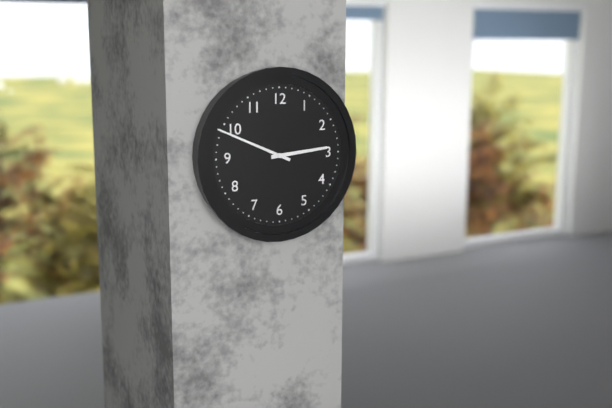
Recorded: h=2 m=49
